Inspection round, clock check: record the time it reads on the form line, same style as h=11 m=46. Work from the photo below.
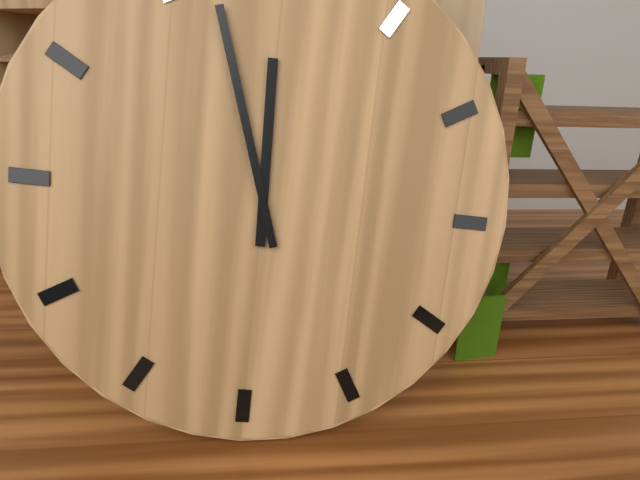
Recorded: h=11 m=57
